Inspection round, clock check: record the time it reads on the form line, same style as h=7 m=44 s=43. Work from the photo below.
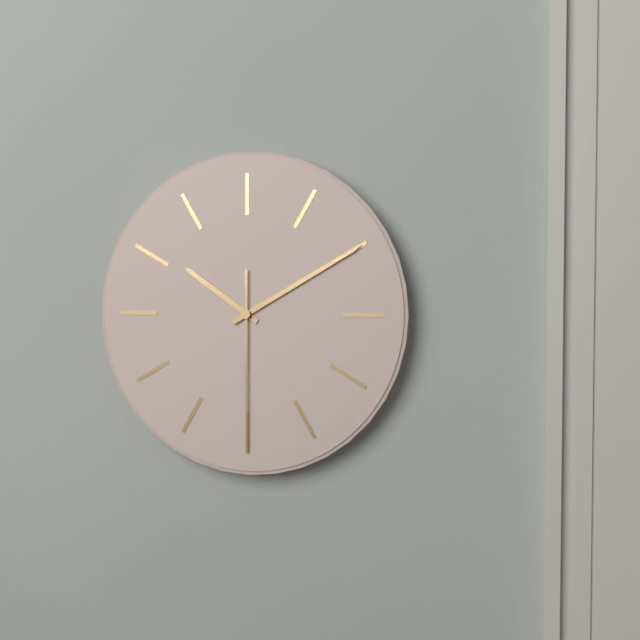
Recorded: h=10 m=10 s=30
